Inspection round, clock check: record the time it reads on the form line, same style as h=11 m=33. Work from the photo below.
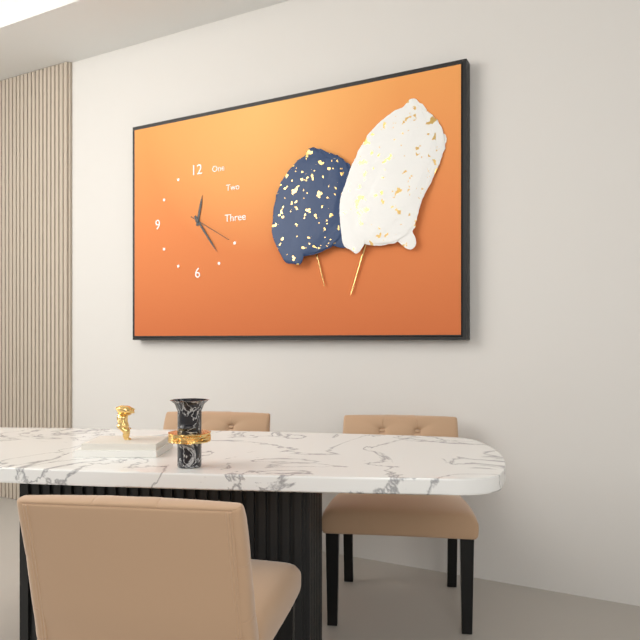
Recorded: h=12 m=24
